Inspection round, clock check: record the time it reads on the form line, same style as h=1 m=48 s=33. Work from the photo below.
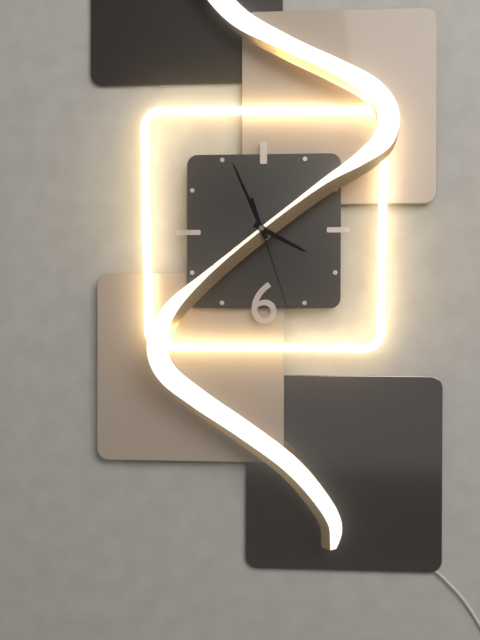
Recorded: h=3 m=56 s=27
